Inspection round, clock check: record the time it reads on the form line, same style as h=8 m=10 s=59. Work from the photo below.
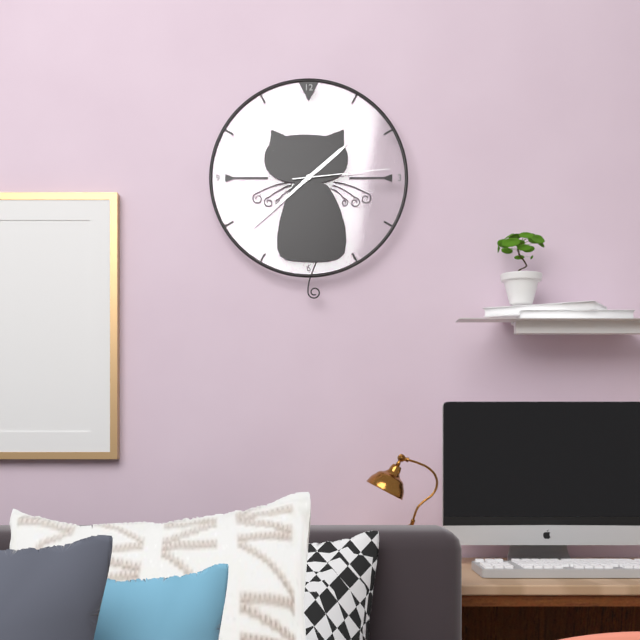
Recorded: h=1 m=38 s=14
